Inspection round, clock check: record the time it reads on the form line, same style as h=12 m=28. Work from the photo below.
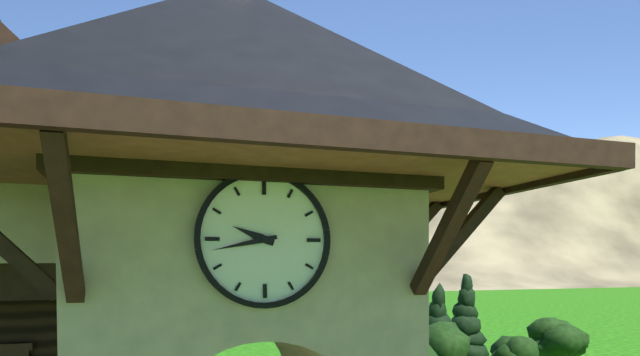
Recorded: h=9 m=43
